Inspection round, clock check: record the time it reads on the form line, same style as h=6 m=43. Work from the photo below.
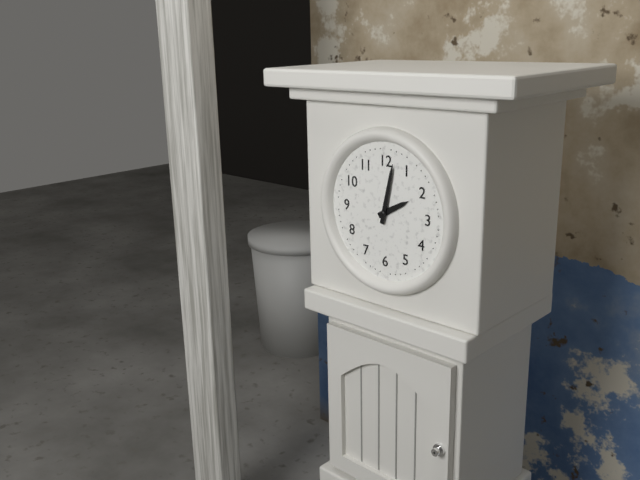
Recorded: h=2 m=2
